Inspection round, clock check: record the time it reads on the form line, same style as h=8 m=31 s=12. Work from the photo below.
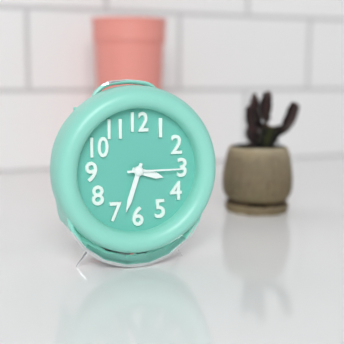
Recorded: h=3 m=33 s=15
